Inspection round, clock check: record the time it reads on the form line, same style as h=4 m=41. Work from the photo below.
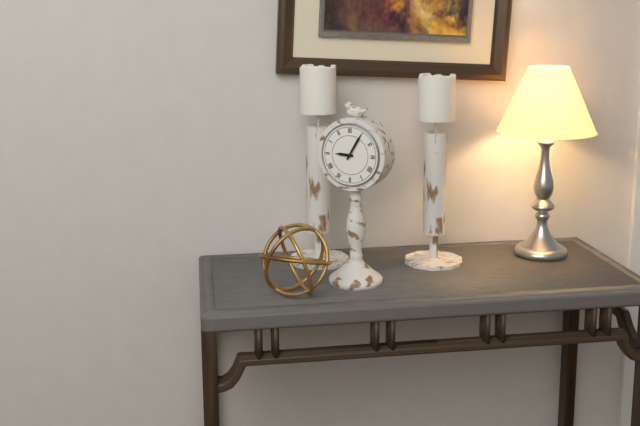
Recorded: h=9 m=5
